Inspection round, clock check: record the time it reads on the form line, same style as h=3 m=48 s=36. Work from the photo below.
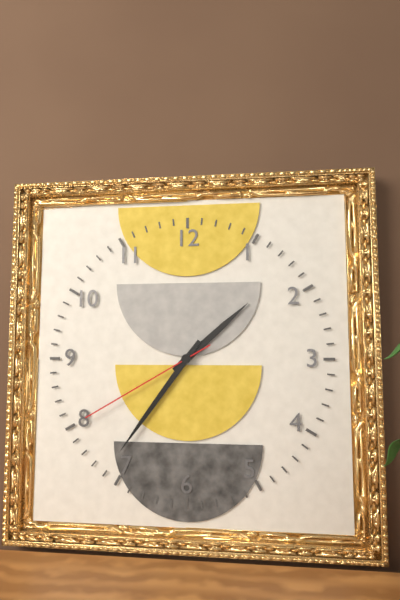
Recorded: h=1 m=36 s=40
